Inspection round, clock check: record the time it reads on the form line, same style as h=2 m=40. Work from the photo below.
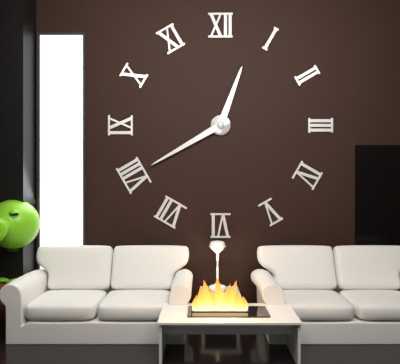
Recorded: h=12 m=40
